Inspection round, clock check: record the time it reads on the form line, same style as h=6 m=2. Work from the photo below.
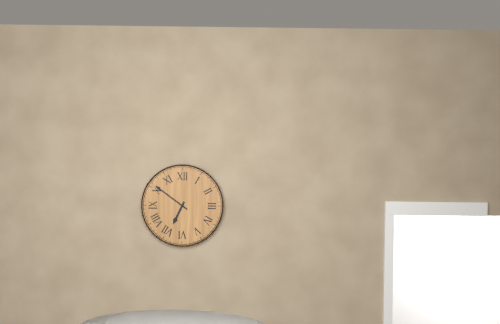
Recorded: h=6 m=51
